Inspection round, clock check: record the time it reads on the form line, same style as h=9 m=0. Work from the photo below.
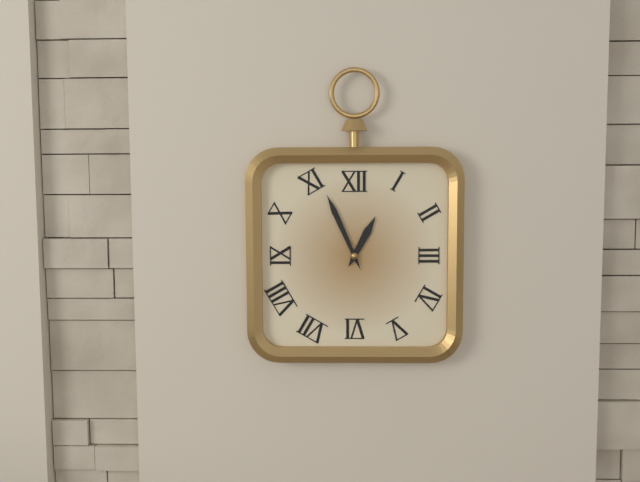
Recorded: h=12 m=56
